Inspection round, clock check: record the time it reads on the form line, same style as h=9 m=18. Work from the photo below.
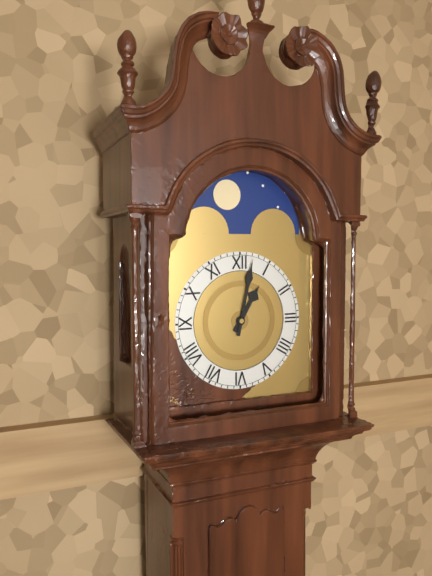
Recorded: h=1 m=2
